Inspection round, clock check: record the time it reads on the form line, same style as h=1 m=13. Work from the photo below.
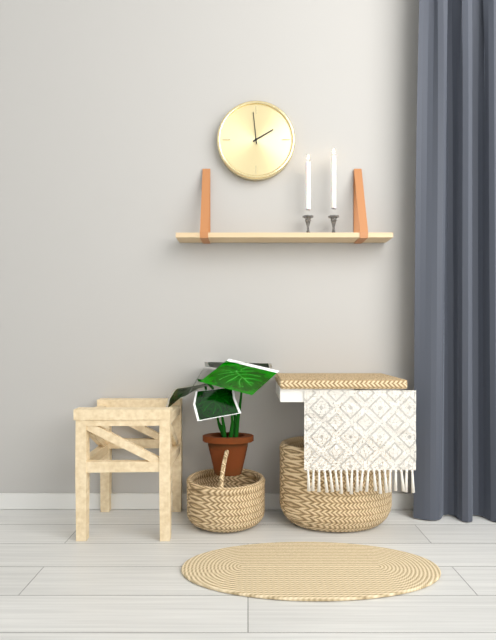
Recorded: h=1 m=59
